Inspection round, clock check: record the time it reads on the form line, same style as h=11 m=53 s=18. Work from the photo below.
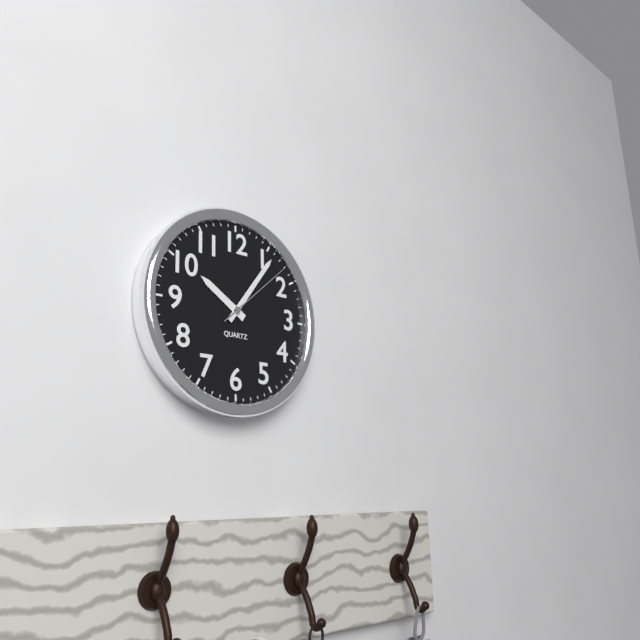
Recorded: h=10 m=6 s=8
